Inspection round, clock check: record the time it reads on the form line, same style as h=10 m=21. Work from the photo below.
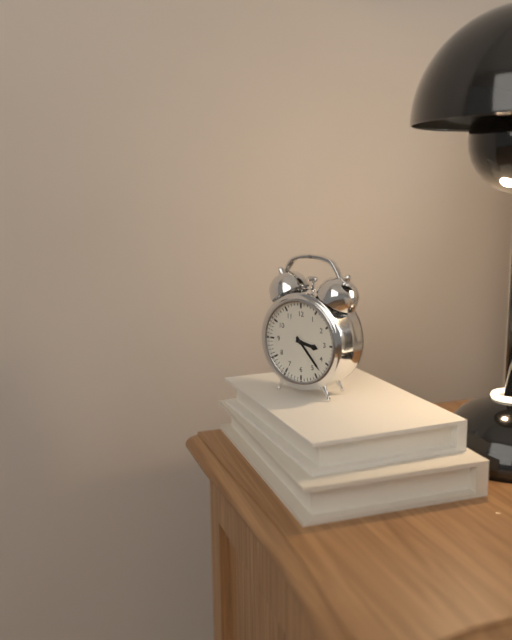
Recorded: h=3 m=23
